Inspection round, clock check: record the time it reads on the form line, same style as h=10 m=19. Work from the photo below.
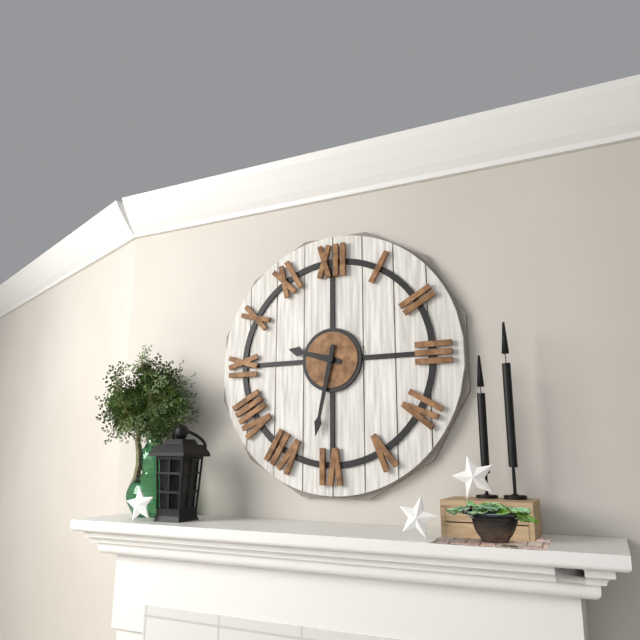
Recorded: h=9 m=32
